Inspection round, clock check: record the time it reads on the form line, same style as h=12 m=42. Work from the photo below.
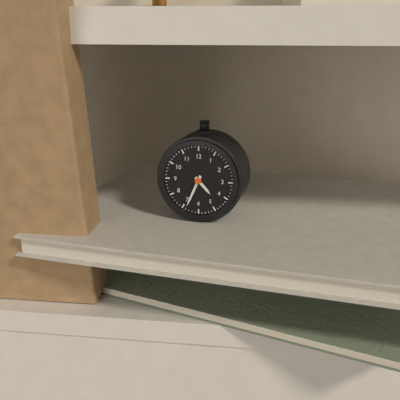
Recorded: h=4 m=34
